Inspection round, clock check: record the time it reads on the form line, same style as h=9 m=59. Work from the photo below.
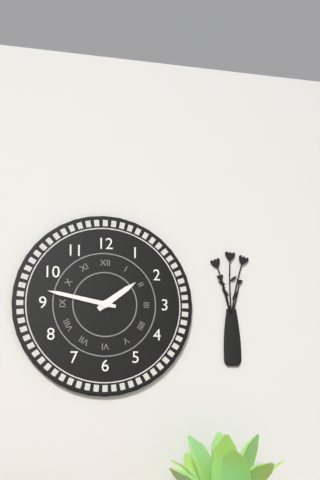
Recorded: h=1 m=47
